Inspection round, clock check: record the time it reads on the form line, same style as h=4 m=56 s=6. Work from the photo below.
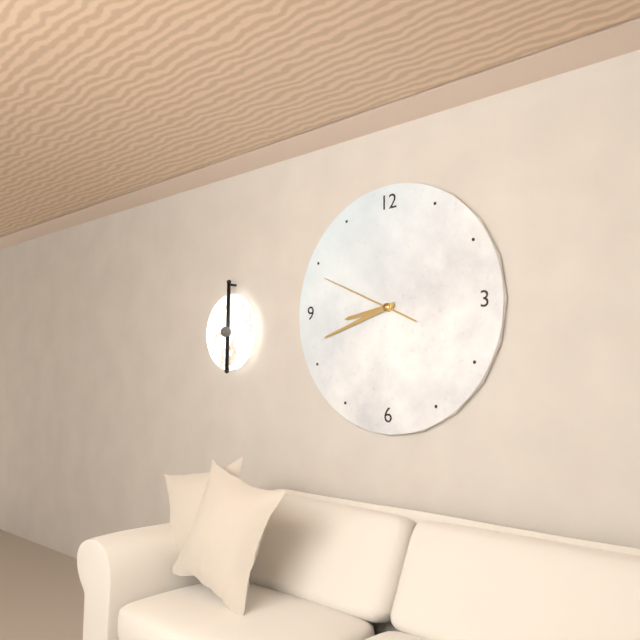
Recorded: h=8 m=42 s=49
